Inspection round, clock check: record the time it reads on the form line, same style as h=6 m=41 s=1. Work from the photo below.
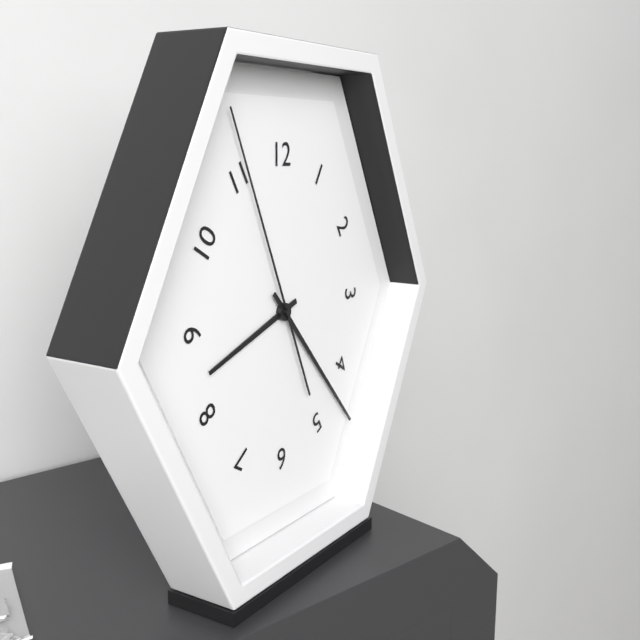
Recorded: h=8 m=23 s=56
